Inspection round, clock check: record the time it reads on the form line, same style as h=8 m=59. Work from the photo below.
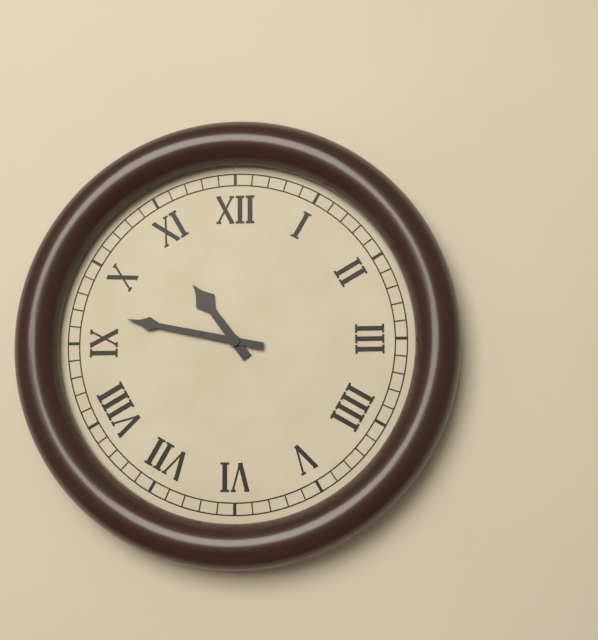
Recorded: h=10 m=47
